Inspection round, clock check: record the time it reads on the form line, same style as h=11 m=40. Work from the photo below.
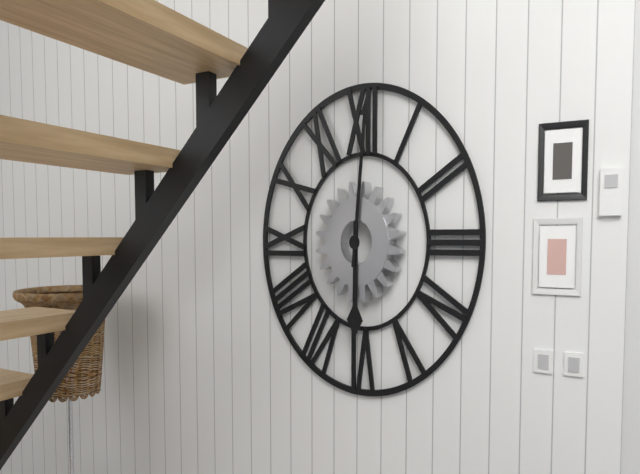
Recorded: h=6 m=1
